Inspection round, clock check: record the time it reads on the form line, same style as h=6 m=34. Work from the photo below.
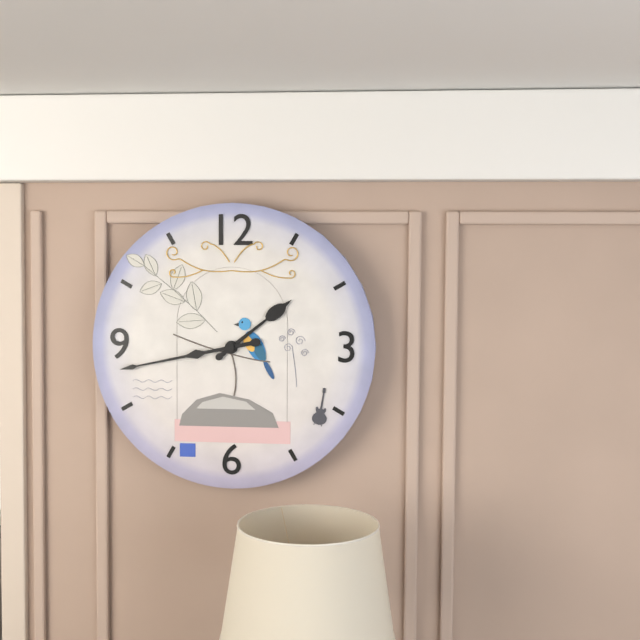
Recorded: h=1 m=43
